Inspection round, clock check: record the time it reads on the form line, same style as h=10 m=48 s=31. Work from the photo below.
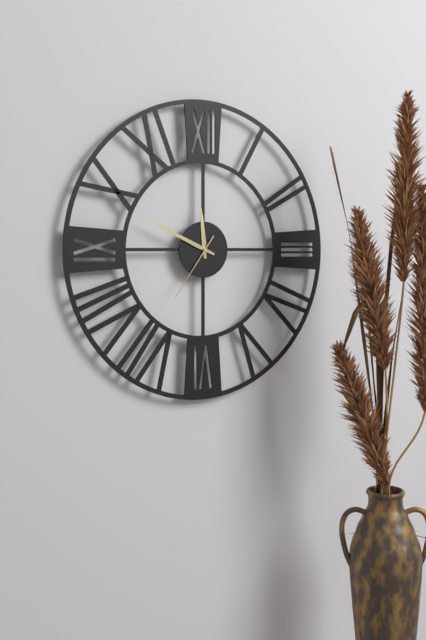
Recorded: h=11 m=49 s=36
